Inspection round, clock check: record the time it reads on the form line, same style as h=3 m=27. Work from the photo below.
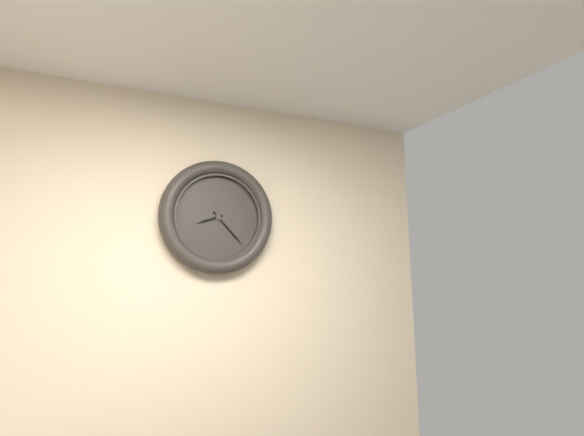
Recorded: h=8 m=23
